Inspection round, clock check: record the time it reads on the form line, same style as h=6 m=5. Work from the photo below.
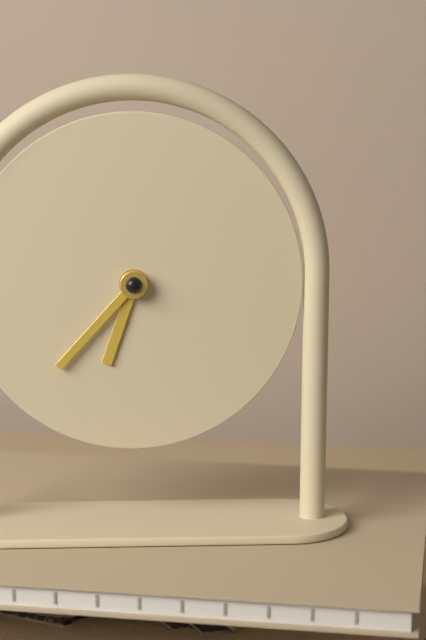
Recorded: h=6 m=37
